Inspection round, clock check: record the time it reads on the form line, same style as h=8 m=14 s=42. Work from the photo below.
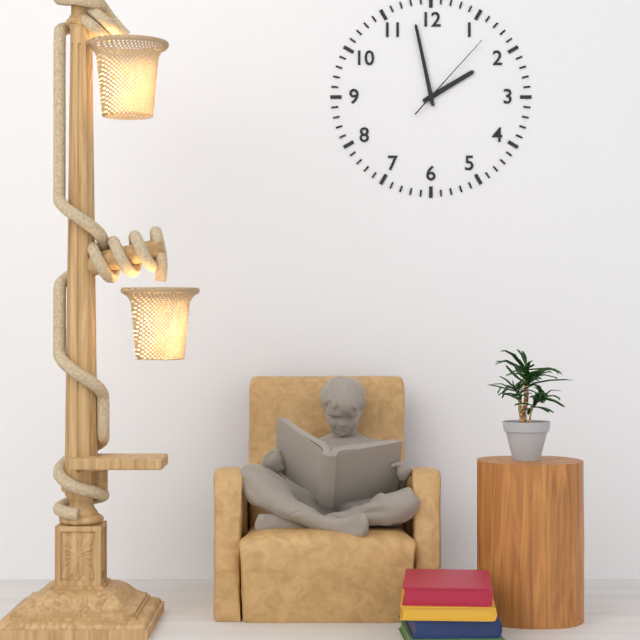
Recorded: h=1 m=58 s=7
